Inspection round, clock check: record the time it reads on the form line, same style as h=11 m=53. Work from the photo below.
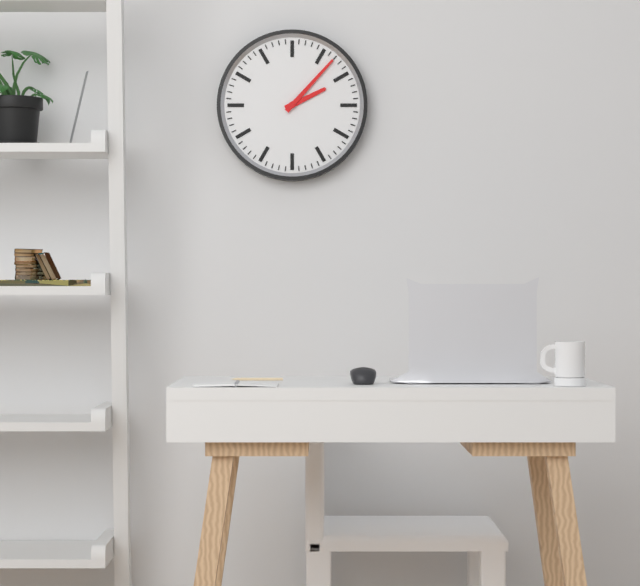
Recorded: h=2 m=7
